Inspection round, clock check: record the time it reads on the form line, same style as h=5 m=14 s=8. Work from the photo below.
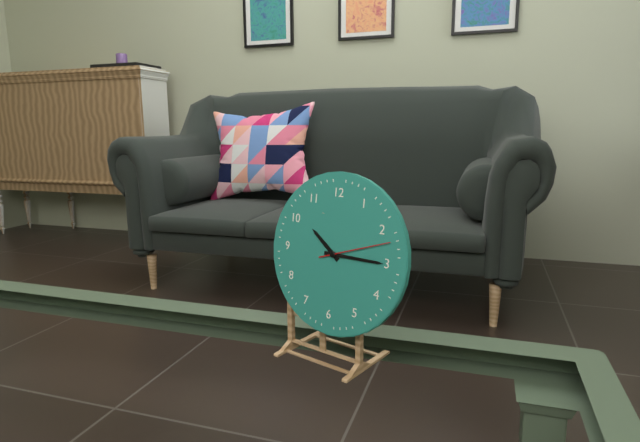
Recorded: h=10 m=15 s=12
